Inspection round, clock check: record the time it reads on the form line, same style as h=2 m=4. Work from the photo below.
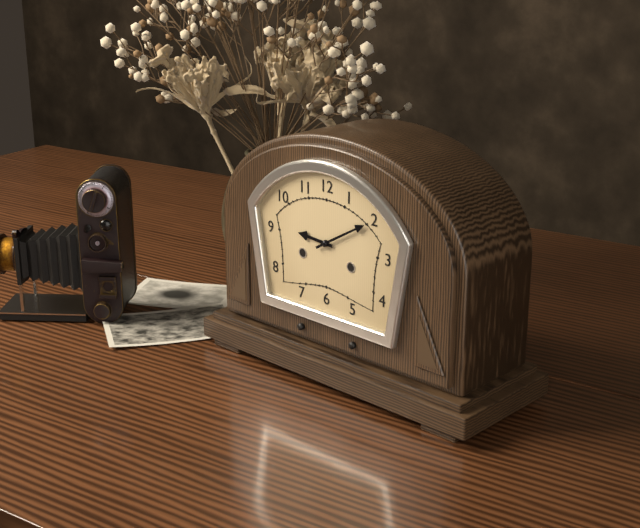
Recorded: h=9 m=10
